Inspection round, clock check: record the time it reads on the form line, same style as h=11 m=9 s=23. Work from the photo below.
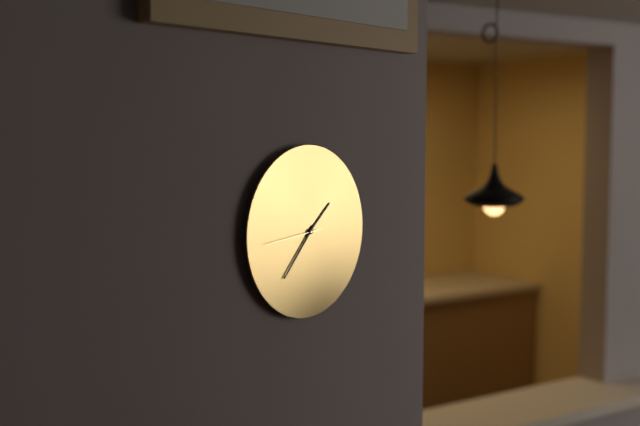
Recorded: h=1 m=37 s=44
